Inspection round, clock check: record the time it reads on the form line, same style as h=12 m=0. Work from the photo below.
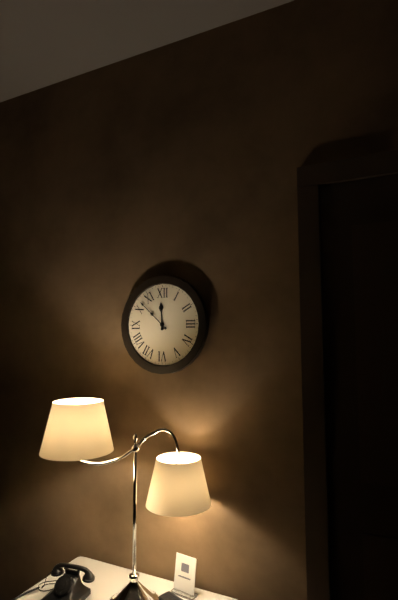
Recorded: h=11 m=52
